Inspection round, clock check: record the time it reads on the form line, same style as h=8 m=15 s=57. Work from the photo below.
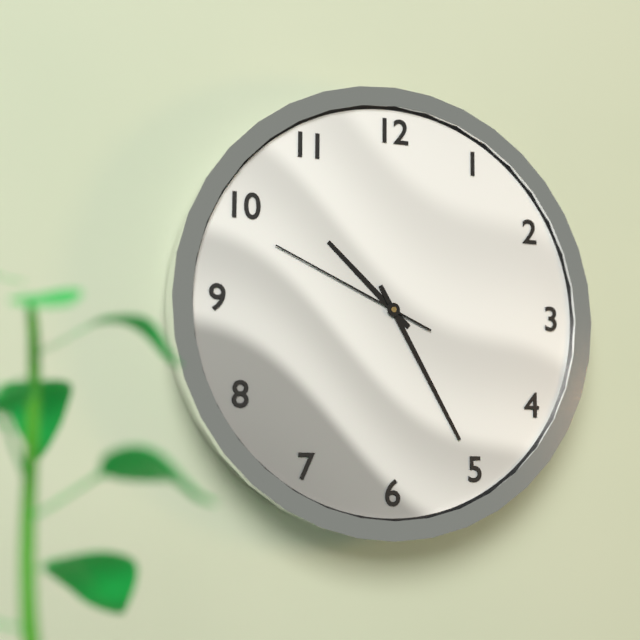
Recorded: h=10 m=25 s=49
